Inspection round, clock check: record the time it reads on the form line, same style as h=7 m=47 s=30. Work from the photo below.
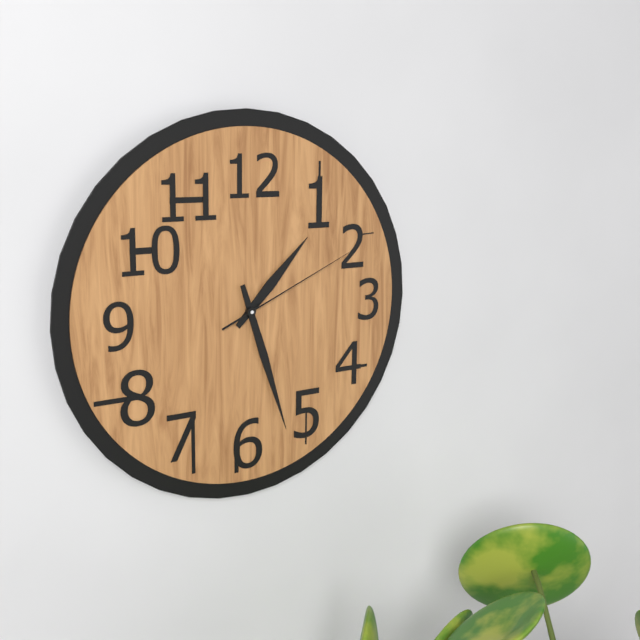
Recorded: h=1 m=27 s=11
